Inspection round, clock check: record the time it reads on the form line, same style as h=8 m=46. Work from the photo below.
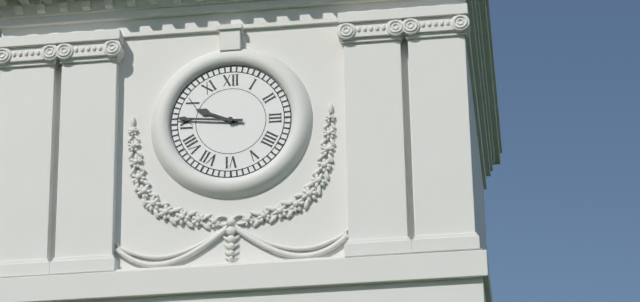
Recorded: h=9 m=46
